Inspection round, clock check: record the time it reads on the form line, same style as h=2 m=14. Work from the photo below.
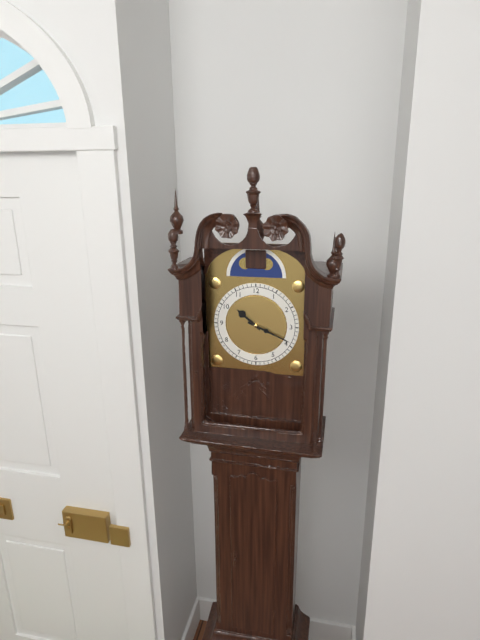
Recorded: h=10 m=19
